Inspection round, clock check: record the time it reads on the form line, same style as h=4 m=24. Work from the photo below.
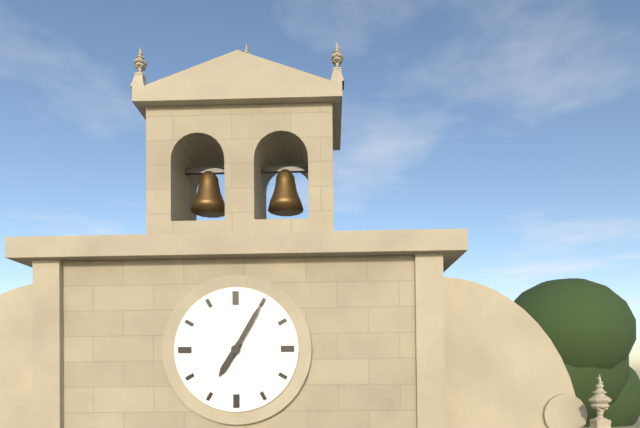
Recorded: h=7 m=5
